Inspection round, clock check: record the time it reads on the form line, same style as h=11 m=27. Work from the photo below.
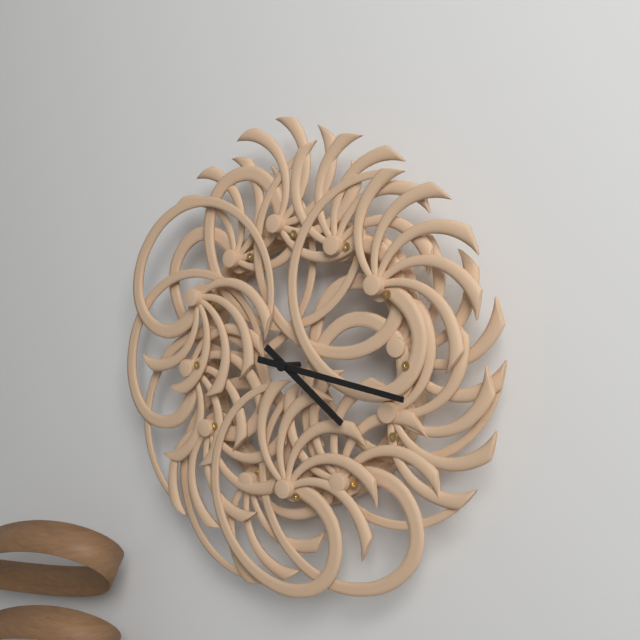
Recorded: h=4 m=17
